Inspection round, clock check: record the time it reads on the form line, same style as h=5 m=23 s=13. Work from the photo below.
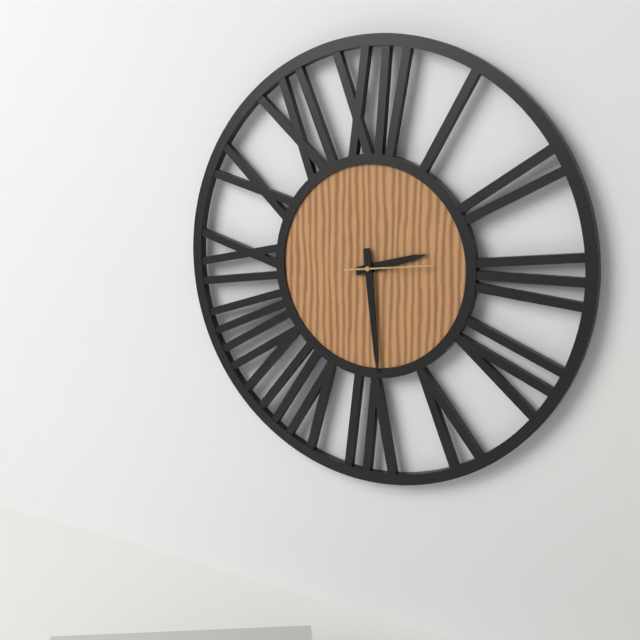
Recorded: h=2 m=29 s=14
